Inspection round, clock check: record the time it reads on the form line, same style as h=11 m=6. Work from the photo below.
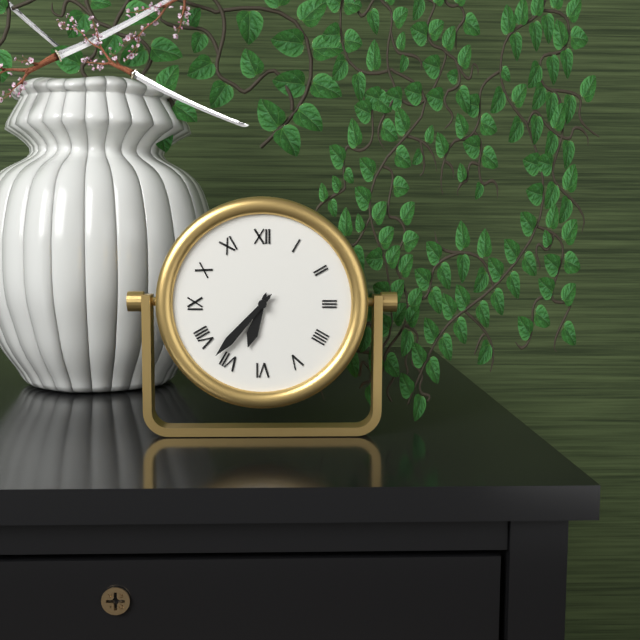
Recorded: h=6 m=37
